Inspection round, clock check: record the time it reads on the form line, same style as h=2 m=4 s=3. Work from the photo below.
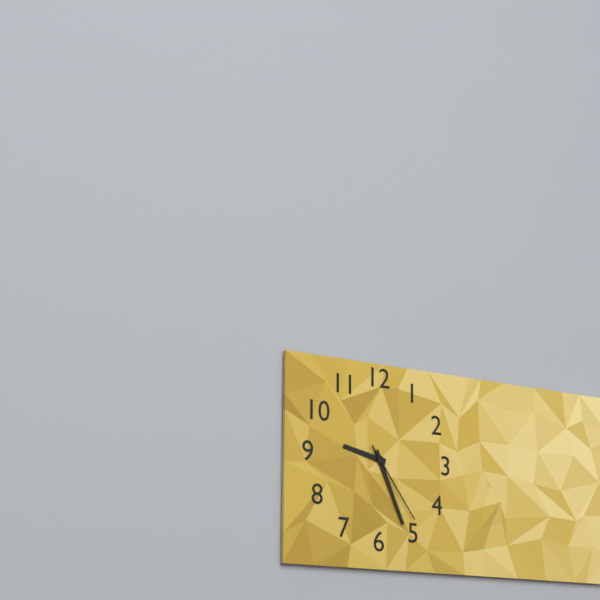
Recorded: h=9 m=26 s=24
